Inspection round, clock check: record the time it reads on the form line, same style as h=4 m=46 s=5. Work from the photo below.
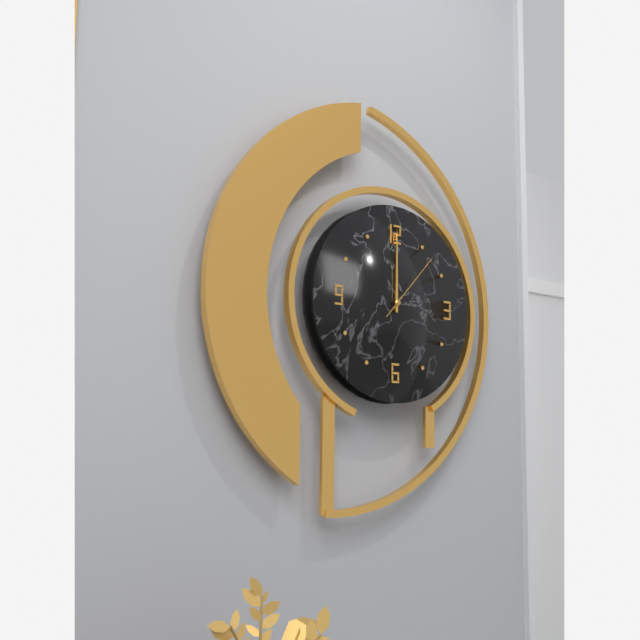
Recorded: h=12 m=0 s=7
